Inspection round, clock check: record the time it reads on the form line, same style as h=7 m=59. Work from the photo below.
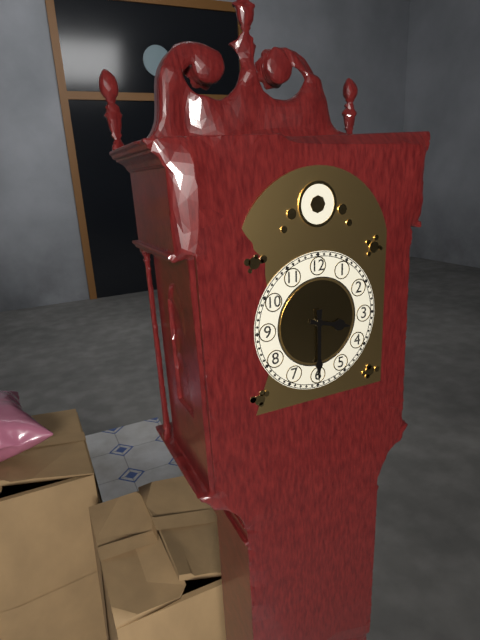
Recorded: h=3 m=30
